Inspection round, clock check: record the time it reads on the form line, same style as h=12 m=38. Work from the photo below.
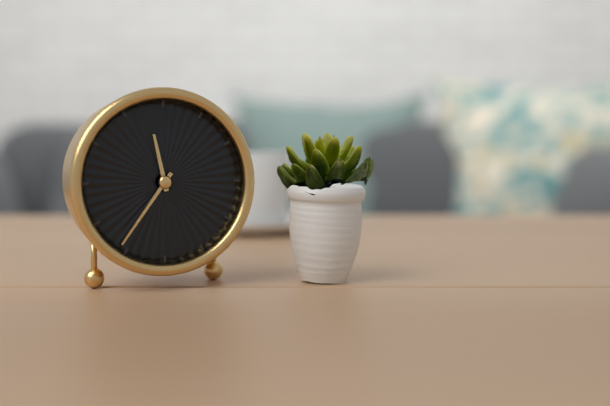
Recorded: h=11 m=36
